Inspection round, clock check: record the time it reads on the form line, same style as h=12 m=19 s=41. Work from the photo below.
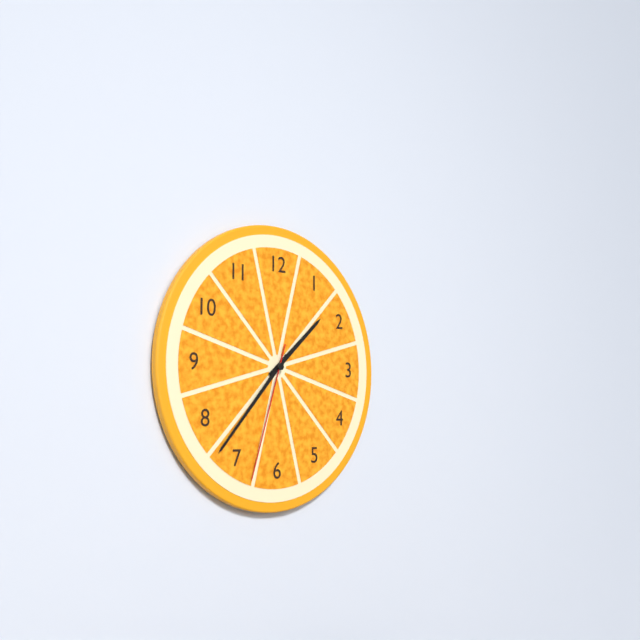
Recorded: h=1 m=37 s=33
